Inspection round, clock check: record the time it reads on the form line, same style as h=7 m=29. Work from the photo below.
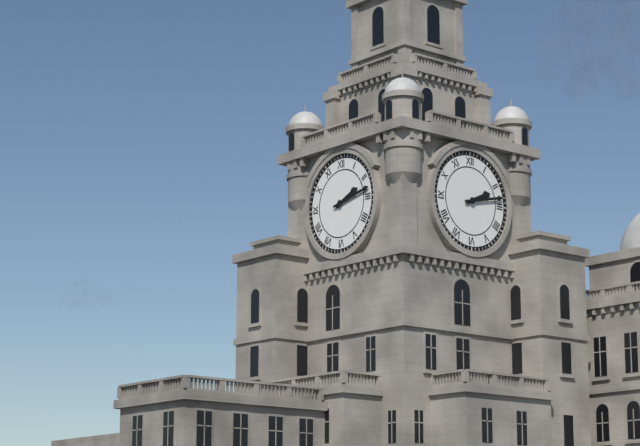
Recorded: h=2 m=13
